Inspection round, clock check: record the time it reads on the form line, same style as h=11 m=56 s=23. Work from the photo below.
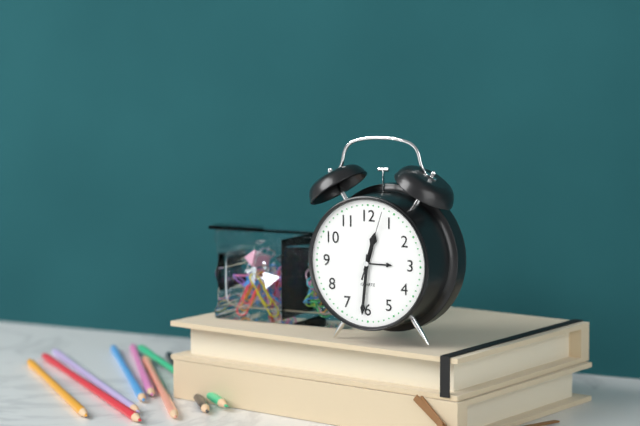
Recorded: h=12 m=31 s=3
